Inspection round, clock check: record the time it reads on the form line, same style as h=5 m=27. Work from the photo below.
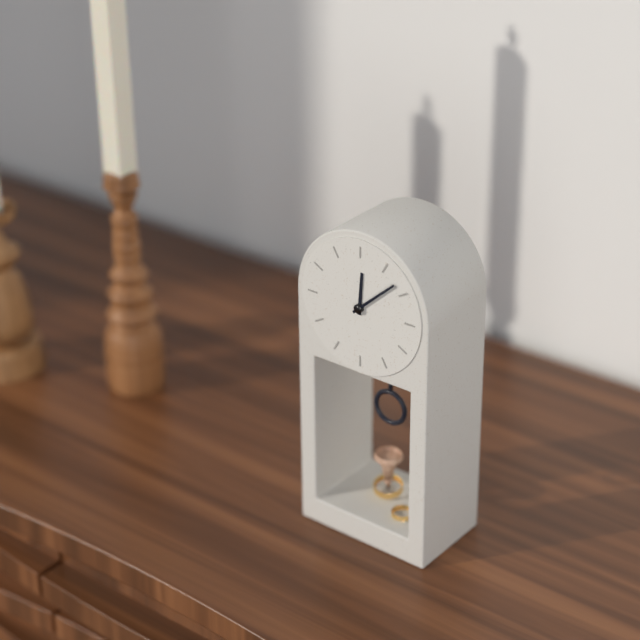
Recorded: h=12 m=8
